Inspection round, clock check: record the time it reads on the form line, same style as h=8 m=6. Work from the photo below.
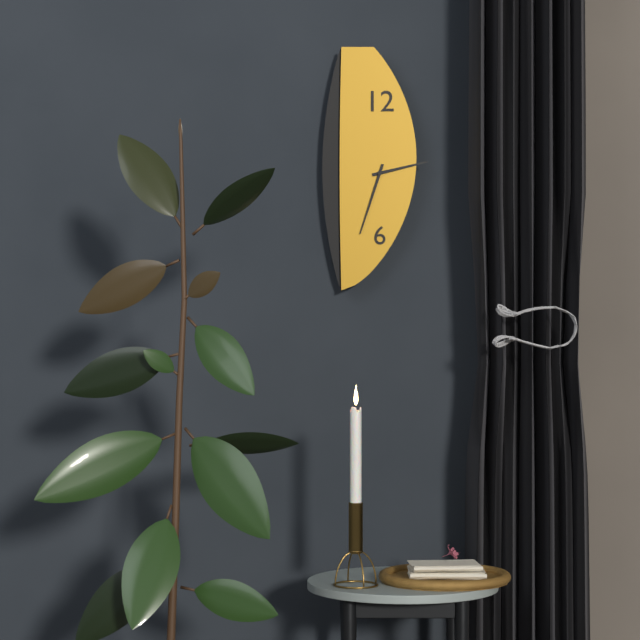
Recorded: h=2 m=33
